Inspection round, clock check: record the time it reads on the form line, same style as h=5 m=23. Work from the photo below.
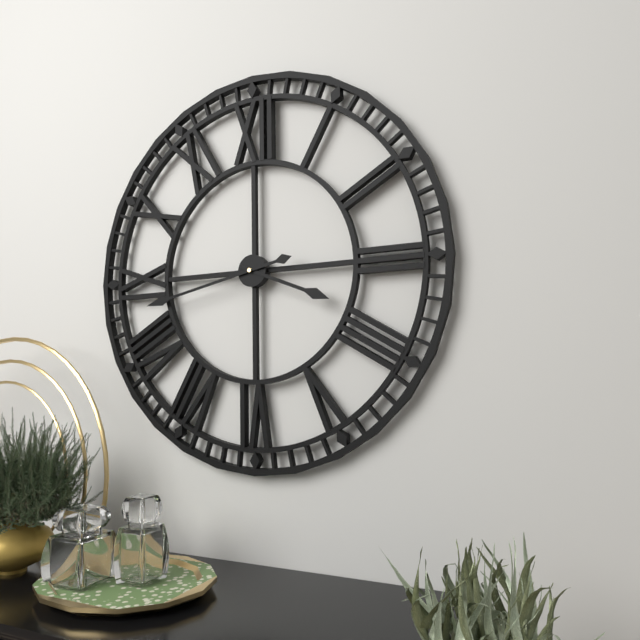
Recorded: h=3 m=43
